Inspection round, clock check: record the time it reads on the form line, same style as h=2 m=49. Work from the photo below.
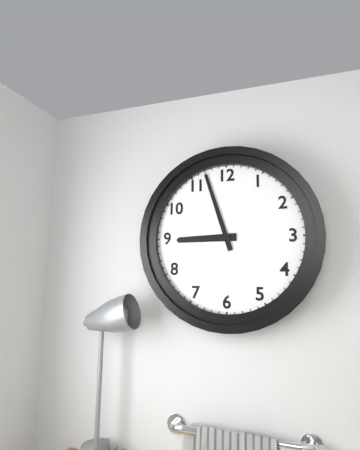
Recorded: h=8 m=57
